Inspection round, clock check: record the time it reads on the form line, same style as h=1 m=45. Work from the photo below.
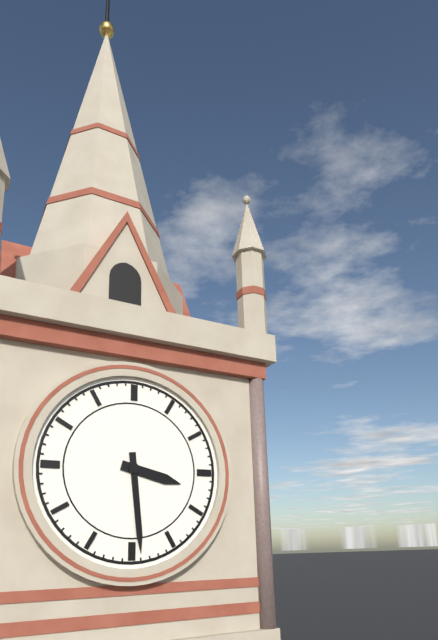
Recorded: h=3 m=29
